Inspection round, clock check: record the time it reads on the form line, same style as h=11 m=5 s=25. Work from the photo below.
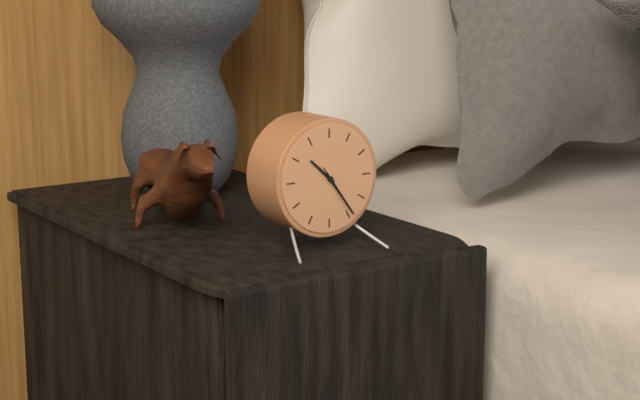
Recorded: h=10 m=24 s=24
